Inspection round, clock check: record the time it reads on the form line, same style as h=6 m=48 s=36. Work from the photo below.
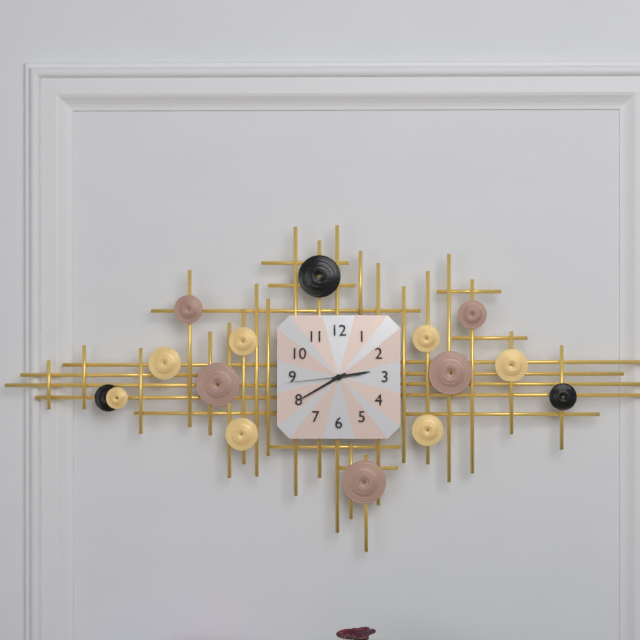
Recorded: h=2 m=40 s=44
